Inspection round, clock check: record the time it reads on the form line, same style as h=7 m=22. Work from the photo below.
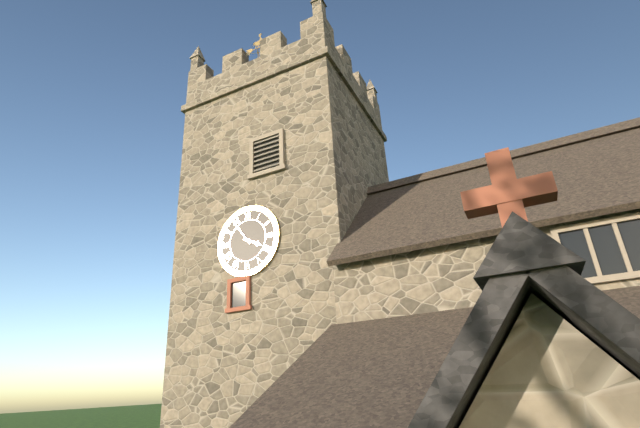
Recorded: h=3 m=54
